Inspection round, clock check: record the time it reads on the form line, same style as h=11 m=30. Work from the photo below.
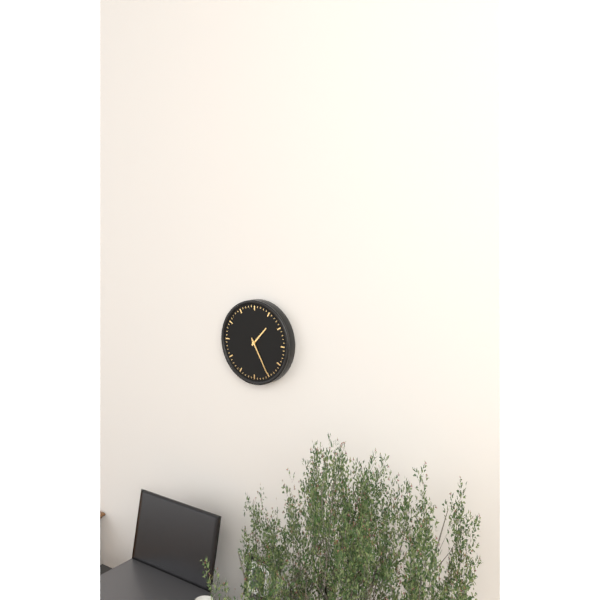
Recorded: h=1 m=25
